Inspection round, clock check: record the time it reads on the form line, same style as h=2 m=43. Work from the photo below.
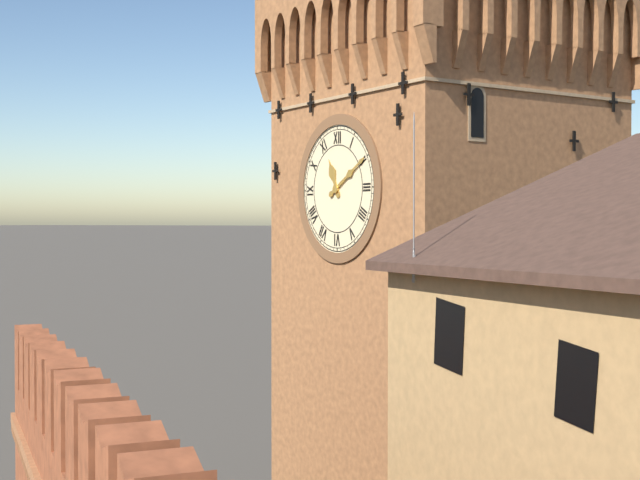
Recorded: h=11 m=10
